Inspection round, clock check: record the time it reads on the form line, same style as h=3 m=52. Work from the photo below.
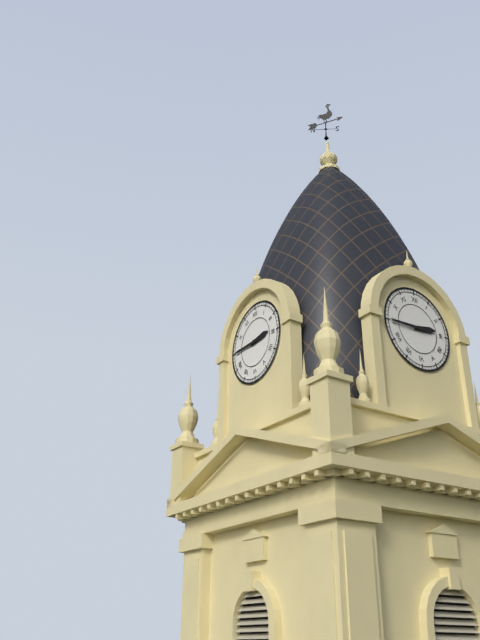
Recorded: h=2 m=45
